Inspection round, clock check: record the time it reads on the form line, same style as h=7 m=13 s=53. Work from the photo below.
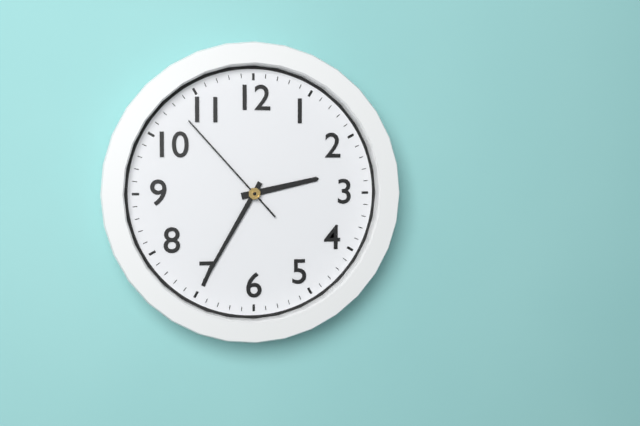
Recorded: h=2 m=35 s=53
